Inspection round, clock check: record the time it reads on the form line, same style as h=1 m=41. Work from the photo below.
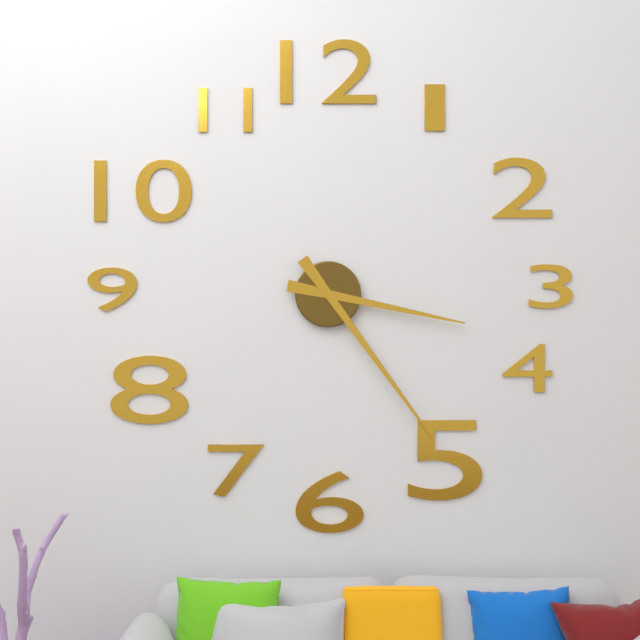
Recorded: h=3 m=24
